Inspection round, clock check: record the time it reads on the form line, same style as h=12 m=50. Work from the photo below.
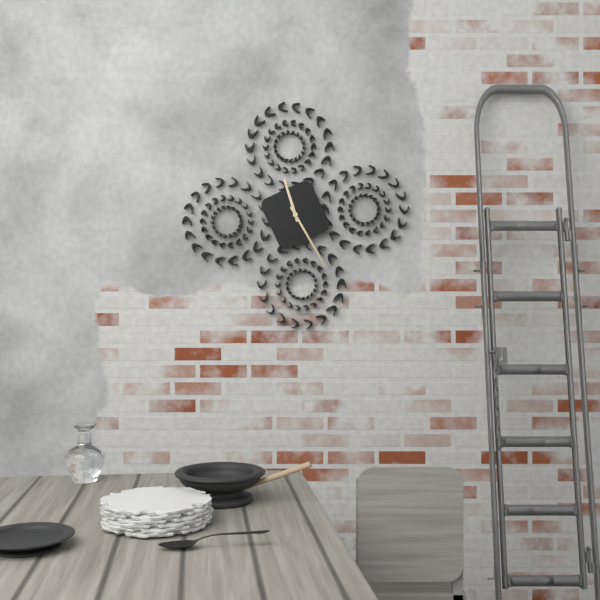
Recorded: h=11 m=25
